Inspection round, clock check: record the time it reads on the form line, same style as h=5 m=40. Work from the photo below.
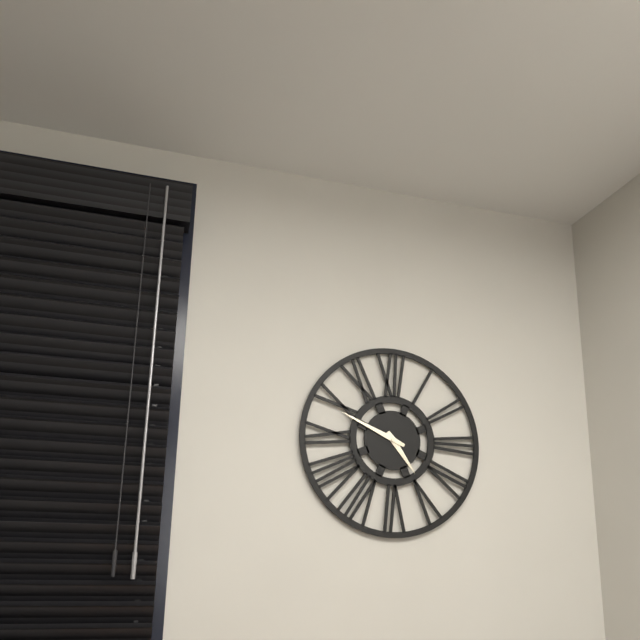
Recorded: h=4 m=49
